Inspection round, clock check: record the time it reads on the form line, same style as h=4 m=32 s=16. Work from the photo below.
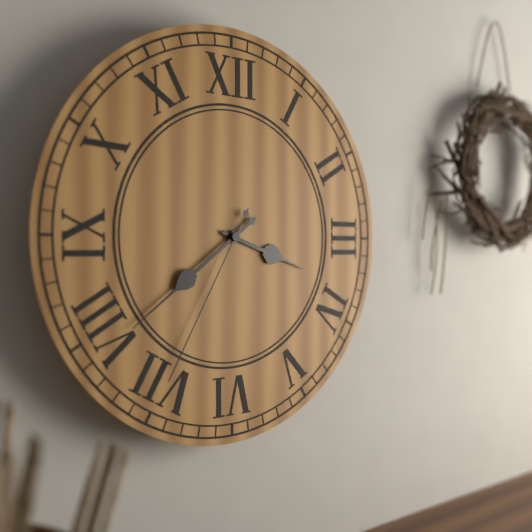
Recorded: h=3 m=39 s=35
